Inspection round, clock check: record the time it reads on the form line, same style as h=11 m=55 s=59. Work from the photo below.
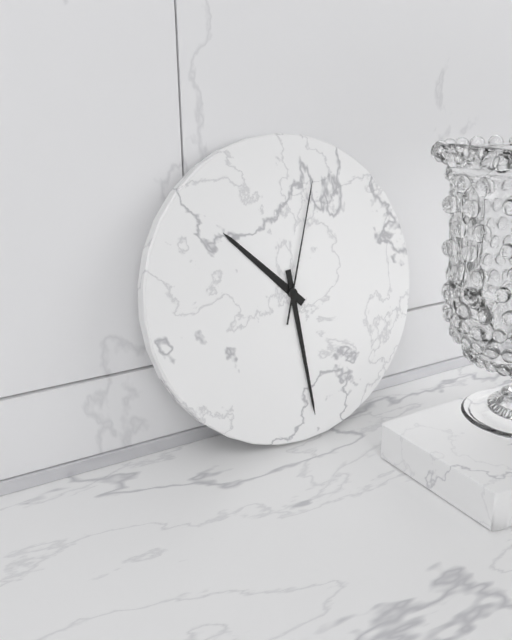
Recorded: h=10 m=29 s=3
